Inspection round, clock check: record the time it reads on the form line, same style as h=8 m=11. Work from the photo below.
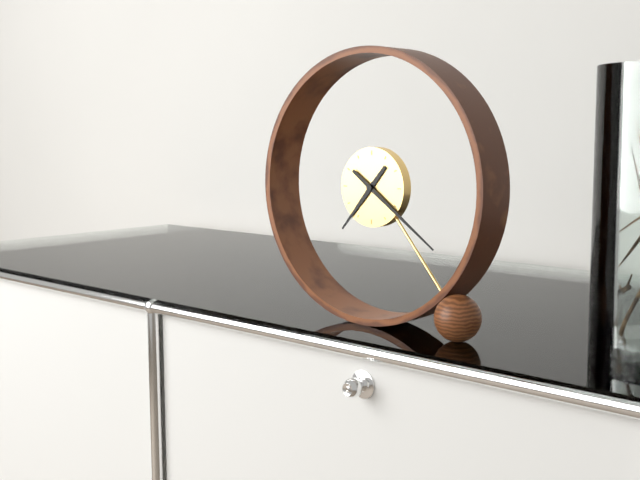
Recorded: h=7 m=21
